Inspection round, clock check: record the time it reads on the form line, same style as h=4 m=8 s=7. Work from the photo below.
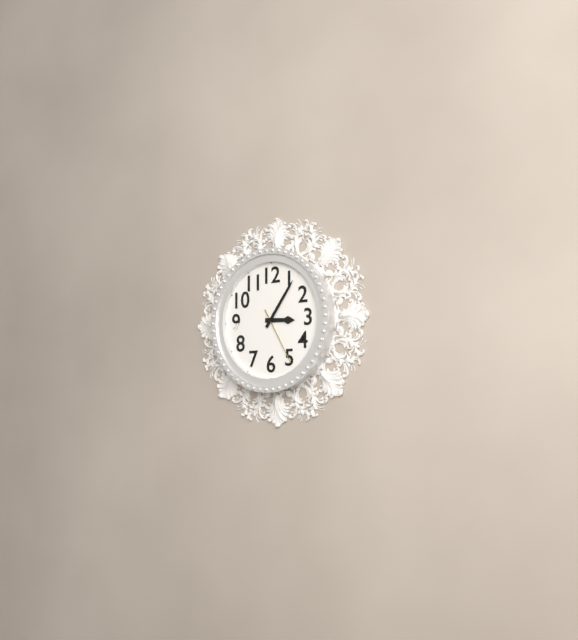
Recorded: h=3 m=6 s=25
